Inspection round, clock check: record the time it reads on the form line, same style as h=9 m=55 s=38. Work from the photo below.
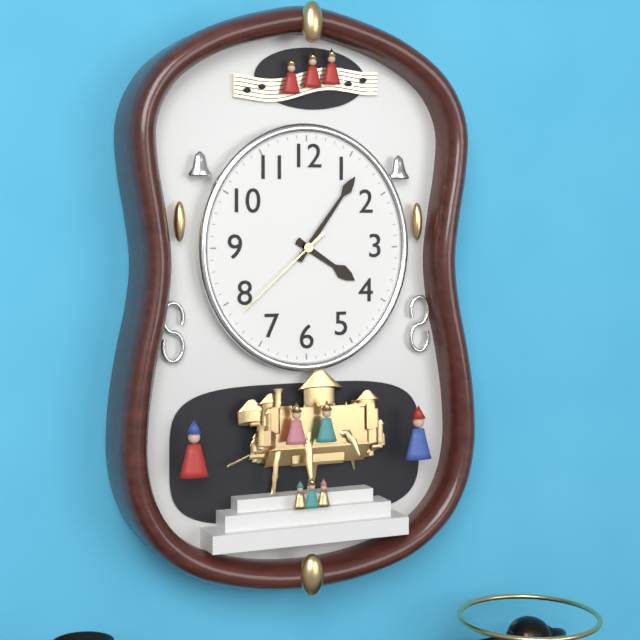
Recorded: h=4 m=6 s=38
